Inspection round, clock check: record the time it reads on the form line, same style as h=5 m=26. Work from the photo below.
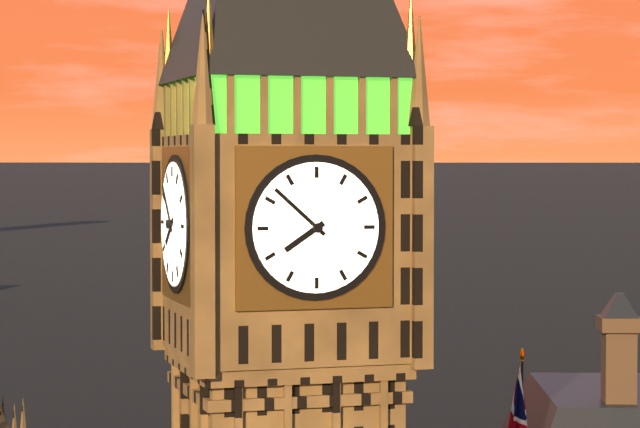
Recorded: h=7 m=52
